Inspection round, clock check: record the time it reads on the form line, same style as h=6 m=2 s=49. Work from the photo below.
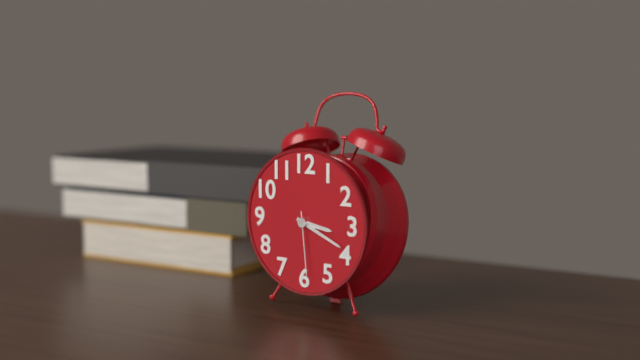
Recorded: h=3 m=19 s=29
